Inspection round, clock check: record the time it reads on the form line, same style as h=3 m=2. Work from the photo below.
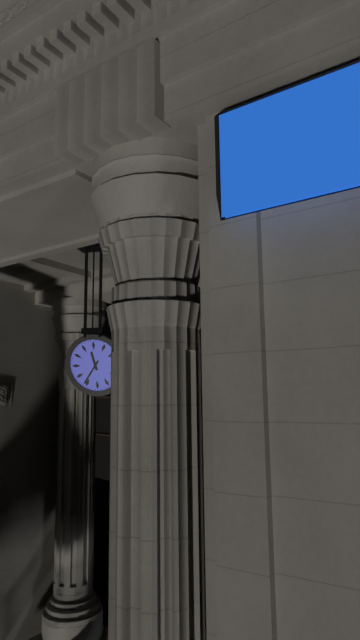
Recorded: h=11 m=36
